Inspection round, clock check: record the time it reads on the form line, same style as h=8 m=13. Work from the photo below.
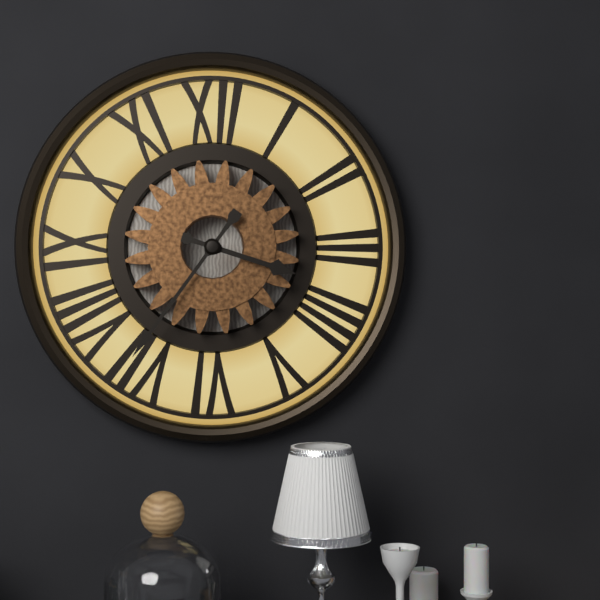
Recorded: h=3 m=36
